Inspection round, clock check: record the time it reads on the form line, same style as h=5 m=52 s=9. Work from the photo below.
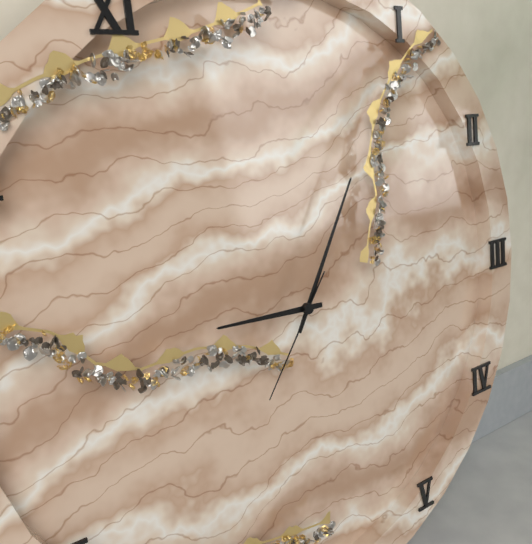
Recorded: h=9 m=5 s=36
